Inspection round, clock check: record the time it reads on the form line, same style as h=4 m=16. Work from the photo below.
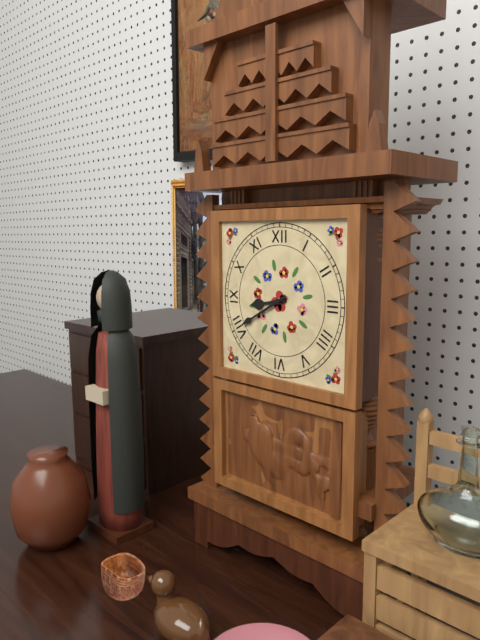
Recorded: h=8 m=40
